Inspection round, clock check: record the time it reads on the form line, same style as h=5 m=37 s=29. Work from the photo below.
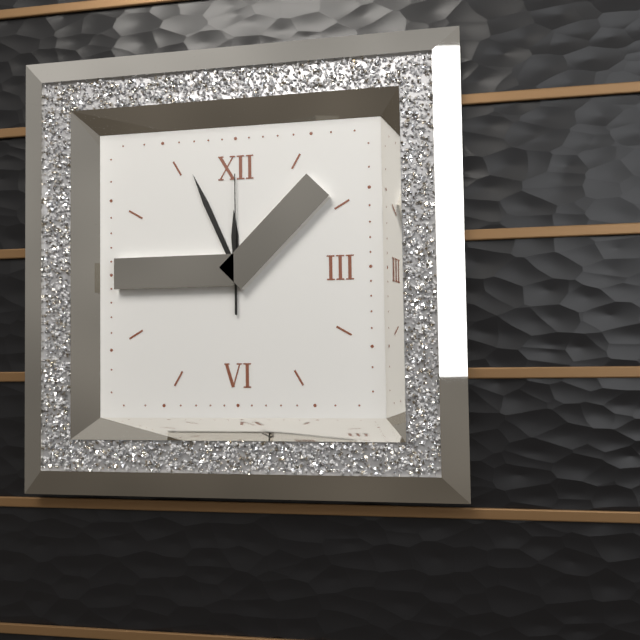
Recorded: h=11 m=56 s=0
